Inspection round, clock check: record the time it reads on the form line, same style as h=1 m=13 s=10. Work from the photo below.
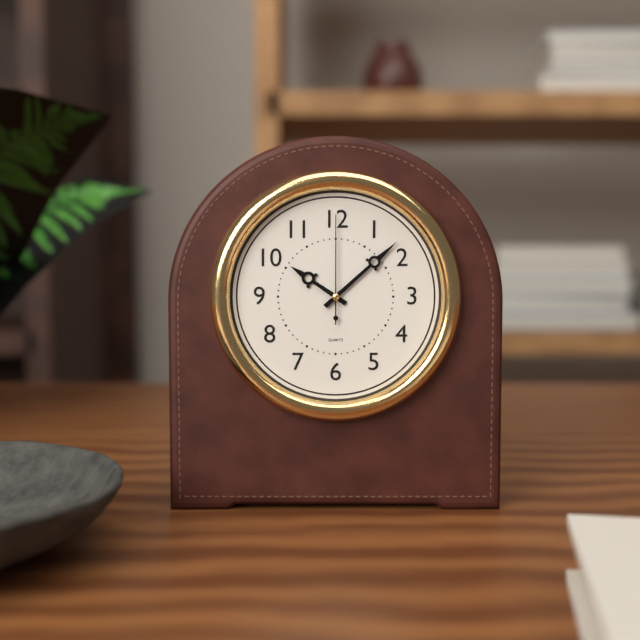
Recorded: h=10 m=8 s=0
